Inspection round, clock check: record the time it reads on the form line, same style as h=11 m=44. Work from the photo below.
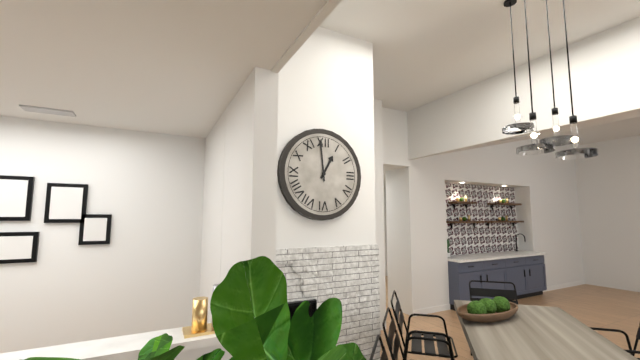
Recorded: h=12 m=59
